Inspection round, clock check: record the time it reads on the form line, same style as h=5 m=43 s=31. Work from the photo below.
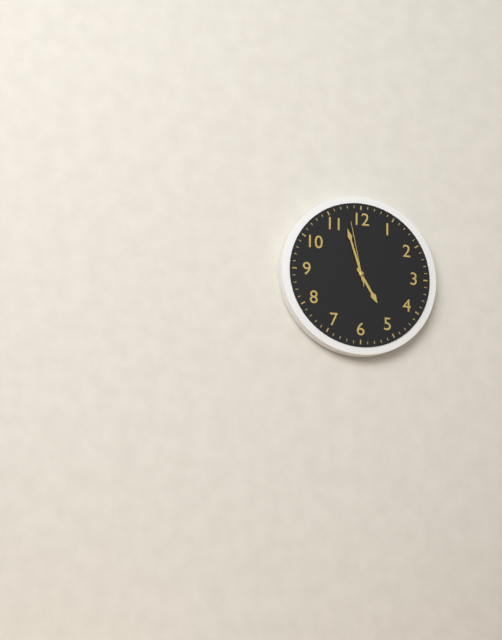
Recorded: h=4 m=57 s=58
